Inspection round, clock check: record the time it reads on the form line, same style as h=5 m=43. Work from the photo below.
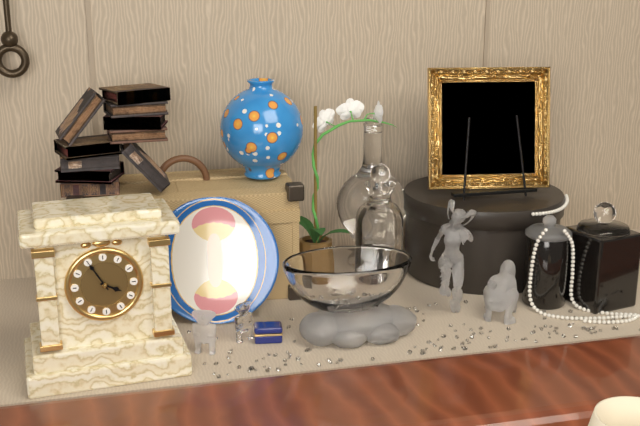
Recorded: h=3 m=55
